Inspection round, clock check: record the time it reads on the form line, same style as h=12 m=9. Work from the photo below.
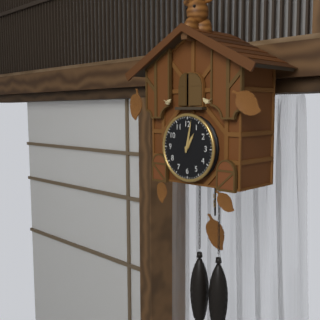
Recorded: h=1 m=2
